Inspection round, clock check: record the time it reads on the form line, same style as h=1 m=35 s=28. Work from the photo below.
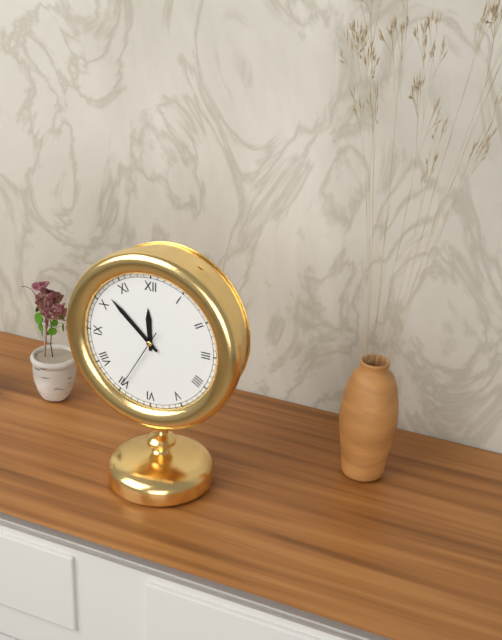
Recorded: h=11 m=52 s=35
